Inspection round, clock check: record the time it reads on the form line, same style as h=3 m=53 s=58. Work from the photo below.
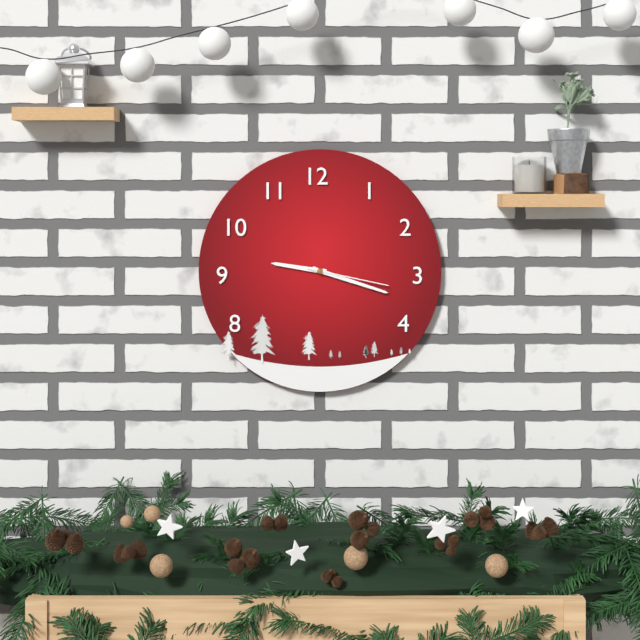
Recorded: h=9 m=18 s=17
